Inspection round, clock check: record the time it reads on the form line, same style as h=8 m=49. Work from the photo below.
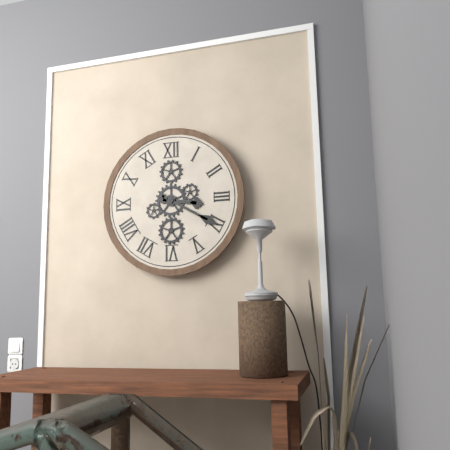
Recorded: h=3 m=20
